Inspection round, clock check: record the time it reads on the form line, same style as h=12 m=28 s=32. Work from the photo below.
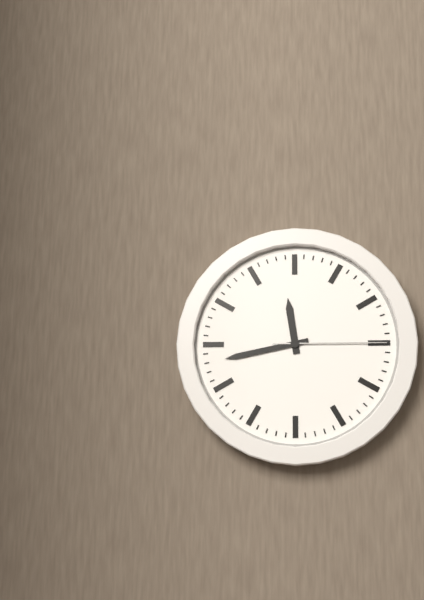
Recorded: h=11 m=43 s=15
